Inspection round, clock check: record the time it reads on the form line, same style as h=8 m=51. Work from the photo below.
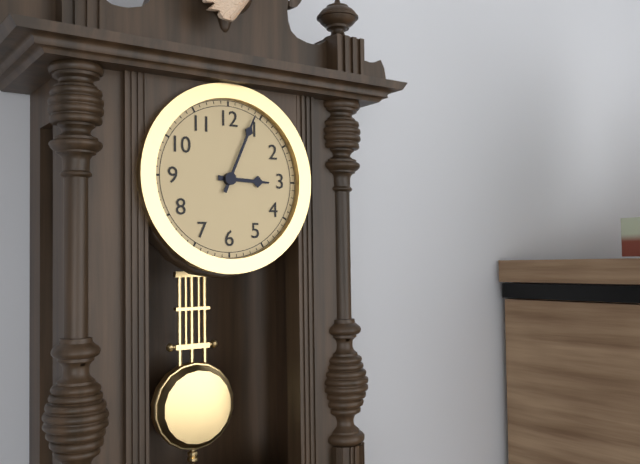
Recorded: h=3 m=4
